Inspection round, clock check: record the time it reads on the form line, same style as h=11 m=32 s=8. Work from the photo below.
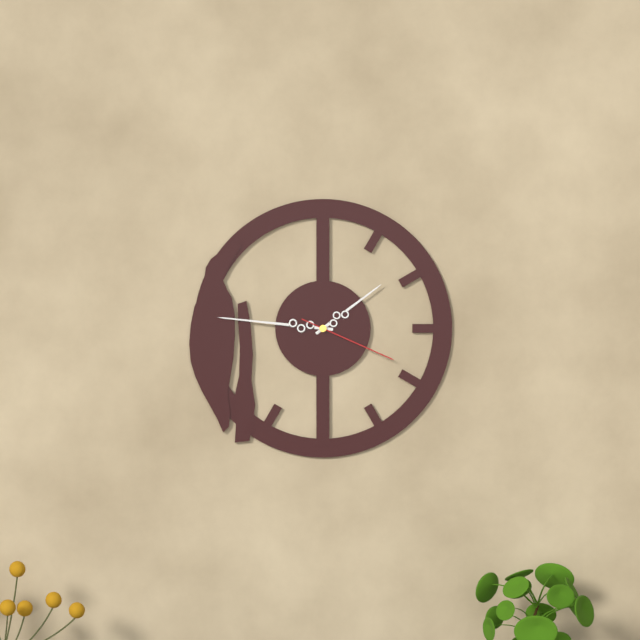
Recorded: h=1 m=46 s=19
